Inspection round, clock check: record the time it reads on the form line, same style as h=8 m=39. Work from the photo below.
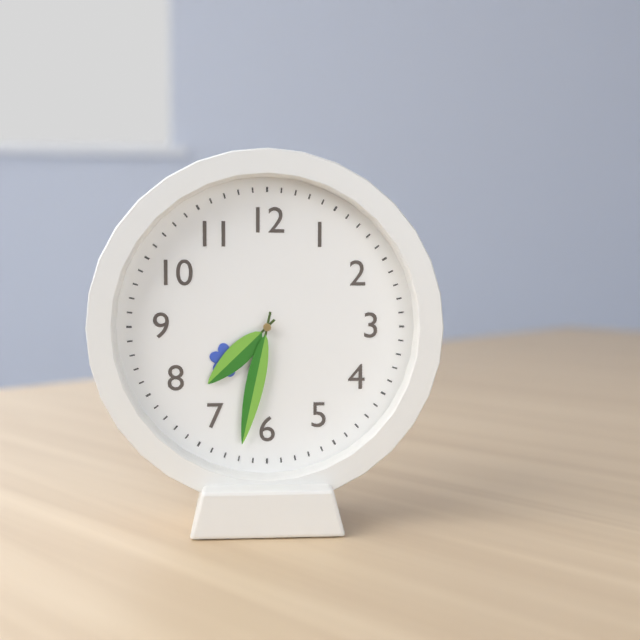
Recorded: h=7 m=32
